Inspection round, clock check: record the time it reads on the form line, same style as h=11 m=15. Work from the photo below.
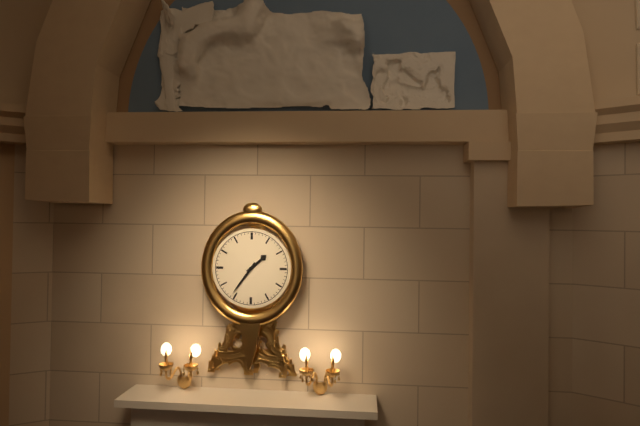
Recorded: h=1 m=36
